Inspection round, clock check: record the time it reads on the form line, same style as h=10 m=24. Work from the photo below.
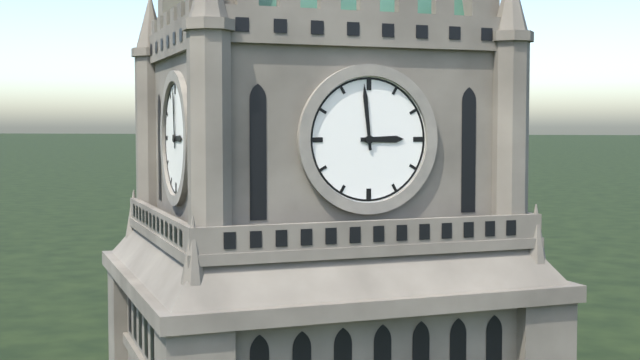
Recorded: h=2 m=59
